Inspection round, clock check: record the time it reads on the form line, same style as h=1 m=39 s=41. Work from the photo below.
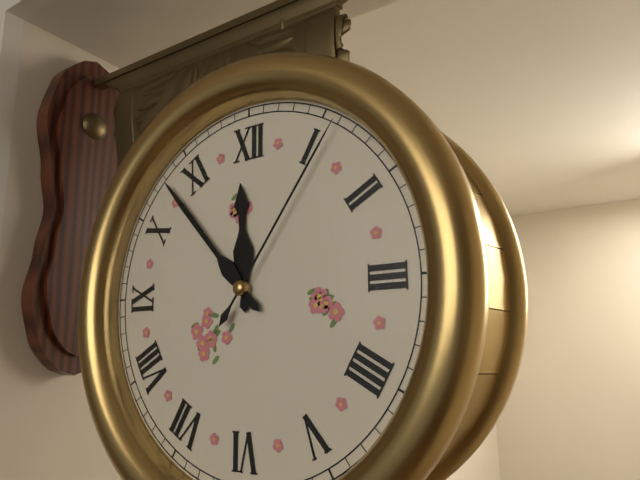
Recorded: h=11 m=53 s=6
